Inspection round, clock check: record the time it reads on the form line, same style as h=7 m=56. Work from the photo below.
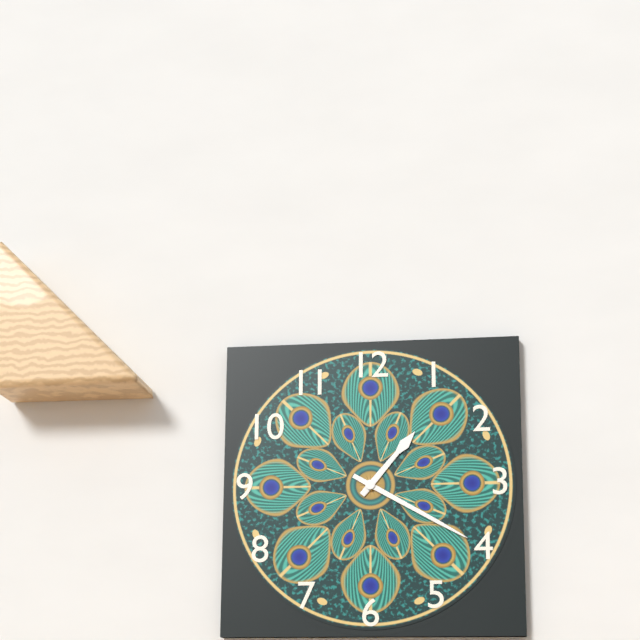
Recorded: h=1 m=20
